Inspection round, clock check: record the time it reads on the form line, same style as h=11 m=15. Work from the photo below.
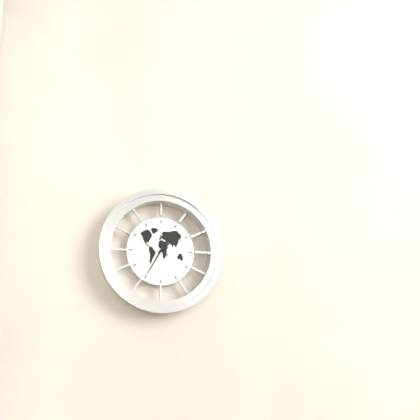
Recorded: h=1 m=35
